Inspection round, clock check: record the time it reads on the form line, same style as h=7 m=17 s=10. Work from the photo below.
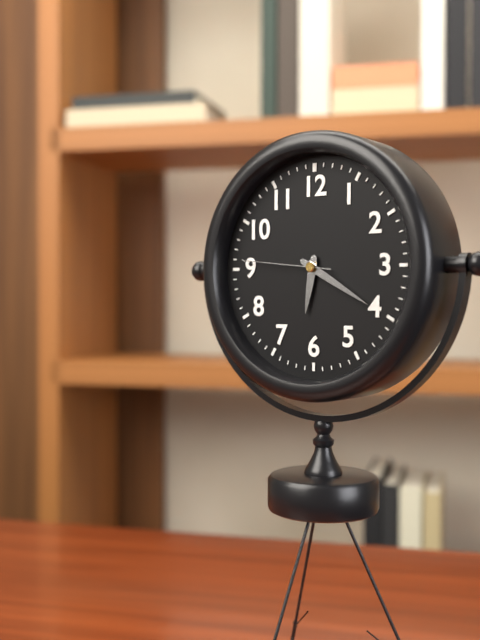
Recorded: h=6 m=20 s=46
